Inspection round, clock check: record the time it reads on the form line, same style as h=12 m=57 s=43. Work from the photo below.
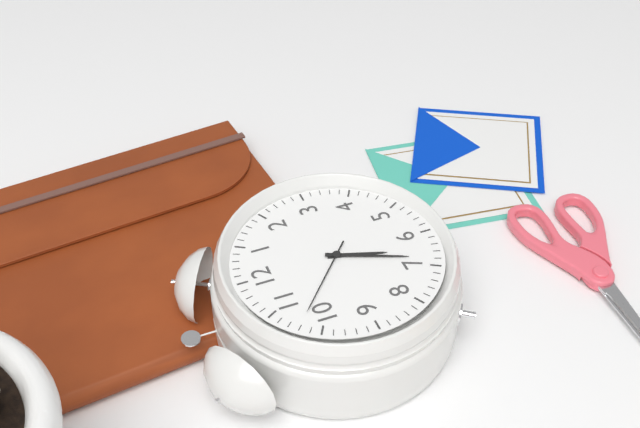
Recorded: h=6 m=34 s=52
